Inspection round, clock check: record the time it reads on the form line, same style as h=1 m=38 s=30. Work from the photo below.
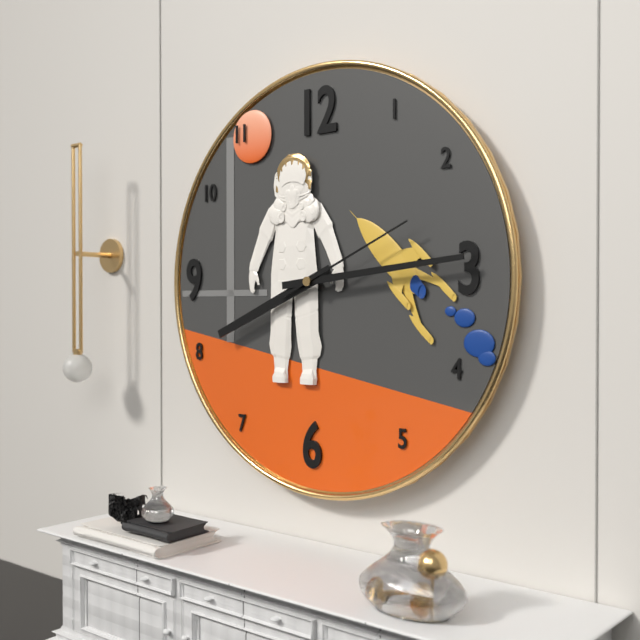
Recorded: h=8 m=14 s=11
